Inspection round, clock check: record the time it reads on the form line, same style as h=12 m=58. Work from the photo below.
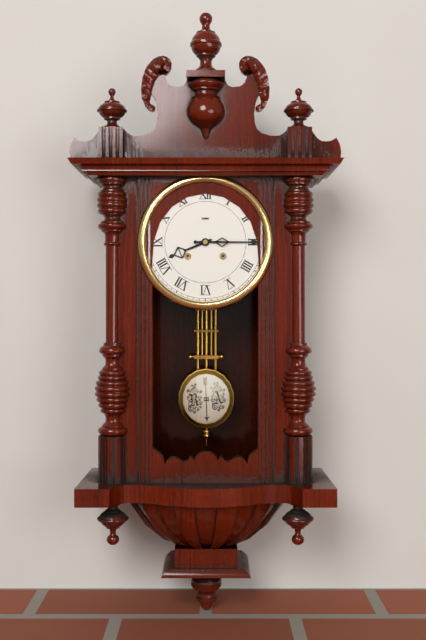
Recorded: h=8 m=15
